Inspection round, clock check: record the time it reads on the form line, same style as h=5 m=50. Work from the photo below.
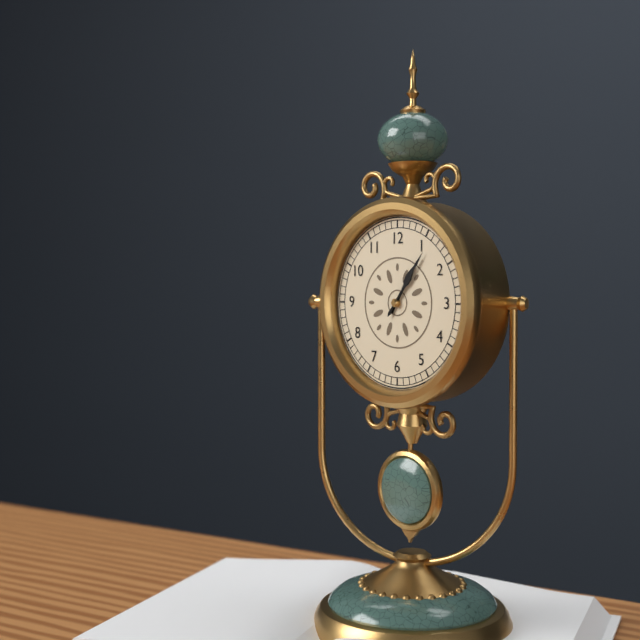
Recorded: h=1 m=6
